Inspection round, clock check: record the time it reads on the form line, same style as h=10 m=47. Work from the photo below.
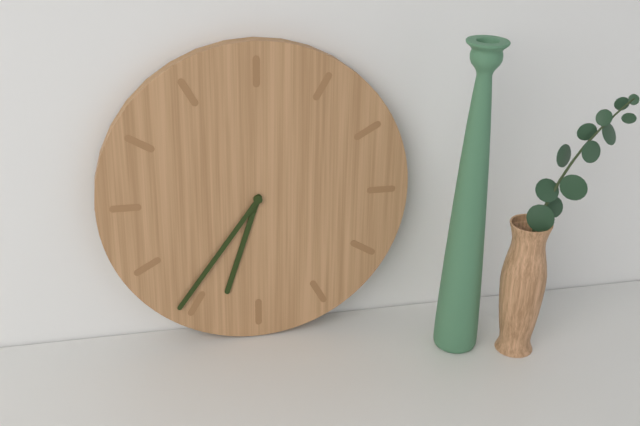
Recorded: h=6 m=36
